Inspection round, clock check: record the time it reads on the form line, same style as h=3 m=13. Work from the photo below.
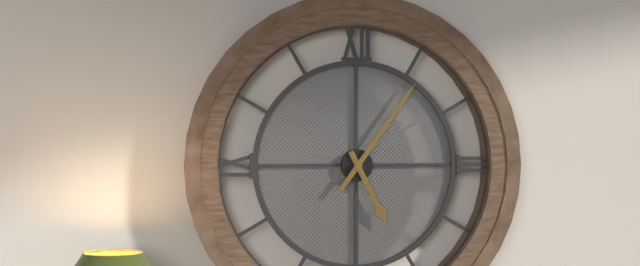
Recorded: h=5 m=6
